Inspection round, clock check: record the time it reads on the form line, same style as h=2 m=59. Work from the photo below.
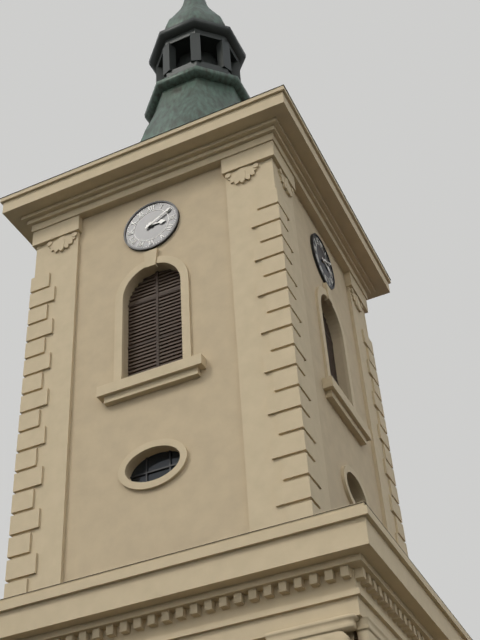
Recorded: h=3 m=10
